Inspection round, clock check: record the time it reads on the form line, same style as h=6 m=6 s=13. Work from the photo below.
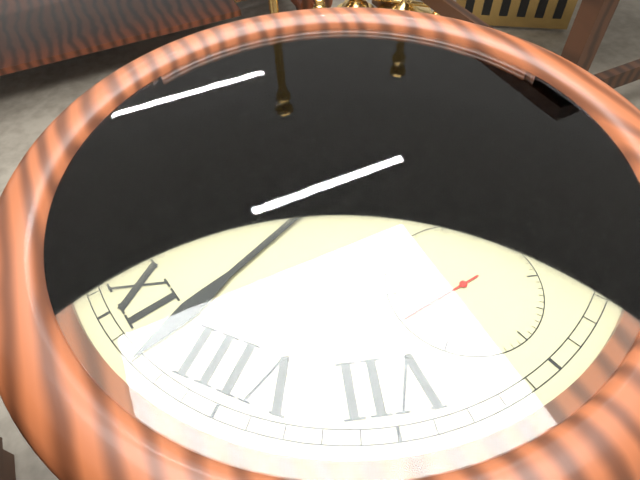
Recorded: h=9 m=43 s=46
